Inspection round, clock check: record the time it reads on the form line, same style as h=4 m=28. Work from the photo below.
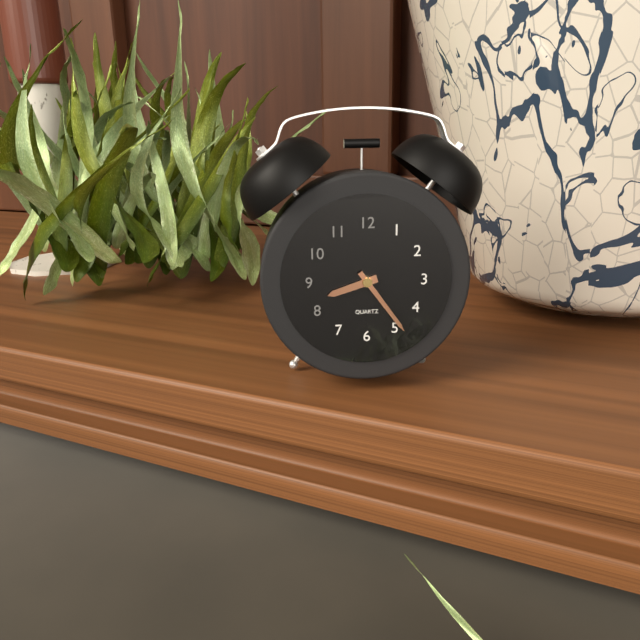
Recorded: h=8 m=24
